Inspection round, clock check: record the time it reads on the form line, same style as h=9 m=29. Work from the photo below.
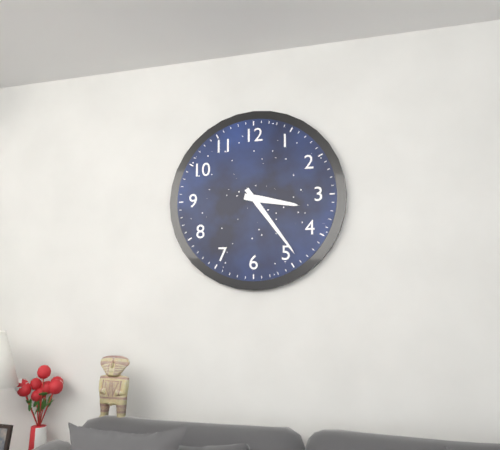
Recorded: h=3 m=24
